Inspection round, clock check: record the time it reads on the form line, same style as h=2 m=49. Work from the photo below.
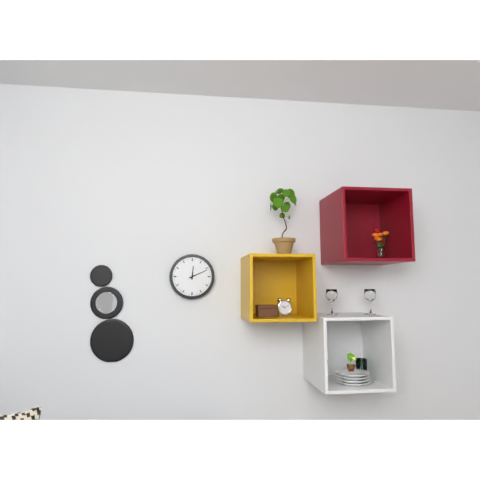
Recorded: h=12 m=11
